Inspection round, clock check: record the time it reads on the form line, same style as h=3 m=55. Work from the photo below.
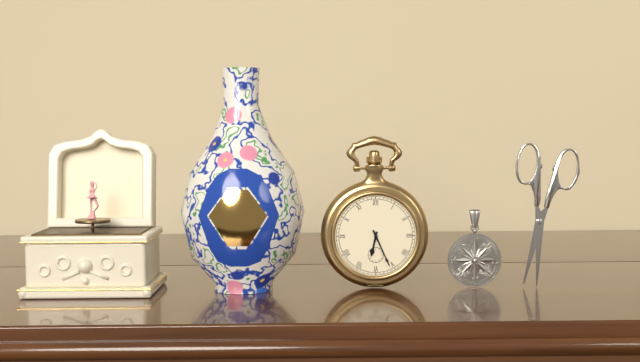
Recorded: h=6 m=26
